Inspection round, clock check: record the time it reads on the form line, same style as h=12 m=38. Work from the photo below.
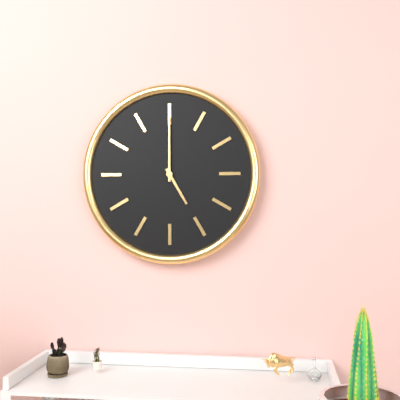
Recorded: h=5 m=0
